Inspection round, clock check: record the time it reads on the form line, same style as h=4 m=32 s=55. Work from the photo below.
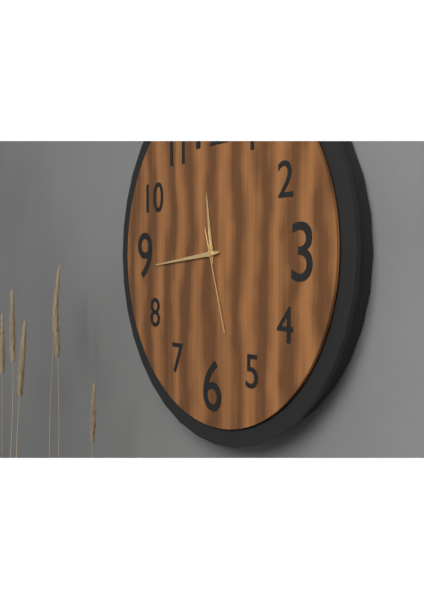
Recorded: h=11 m=44 s=27
